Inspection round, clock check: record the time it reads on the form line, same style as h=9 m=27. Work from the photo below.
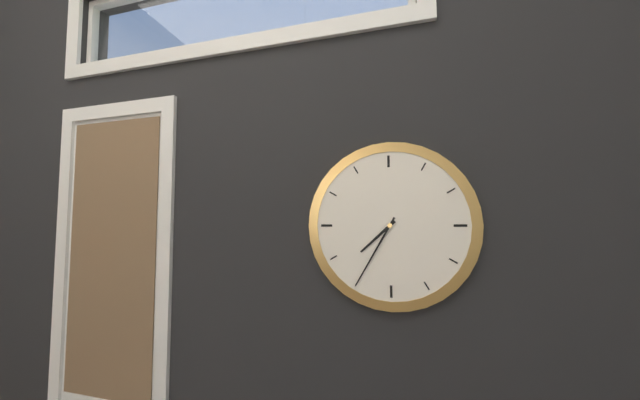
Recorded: h=7 m=35
